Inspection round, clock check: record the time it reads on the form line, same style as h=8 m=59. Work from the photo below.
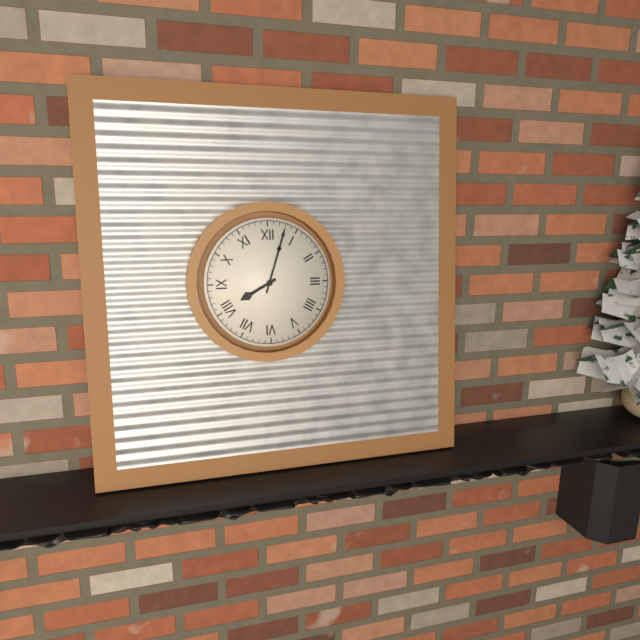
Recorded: h=8 m=3
